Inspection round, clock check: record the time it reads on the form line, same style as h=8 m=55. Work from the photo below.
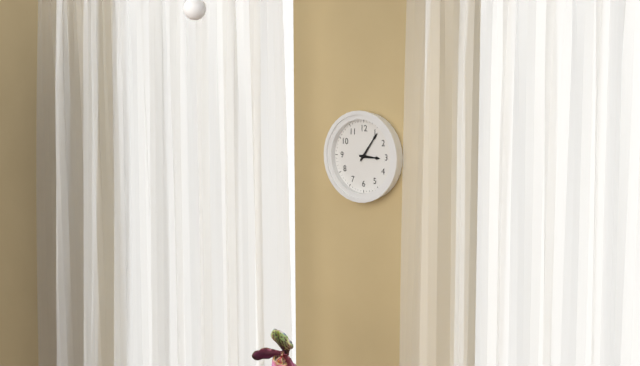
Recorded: h=3 m=6
